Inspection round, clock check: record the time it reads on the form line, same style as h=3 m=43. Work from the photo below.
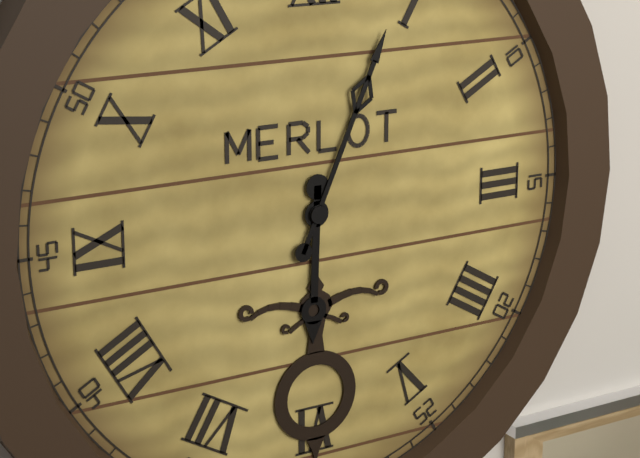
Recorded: h=6 m=4
